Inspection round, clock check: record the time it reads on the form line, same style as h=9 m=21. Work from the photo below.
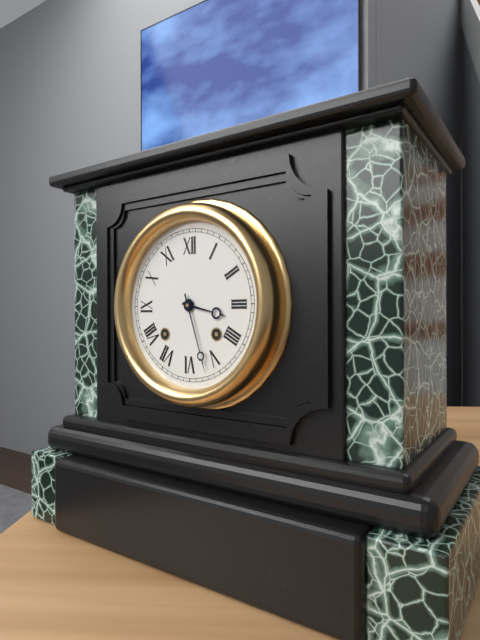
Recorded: h=3 m=27
